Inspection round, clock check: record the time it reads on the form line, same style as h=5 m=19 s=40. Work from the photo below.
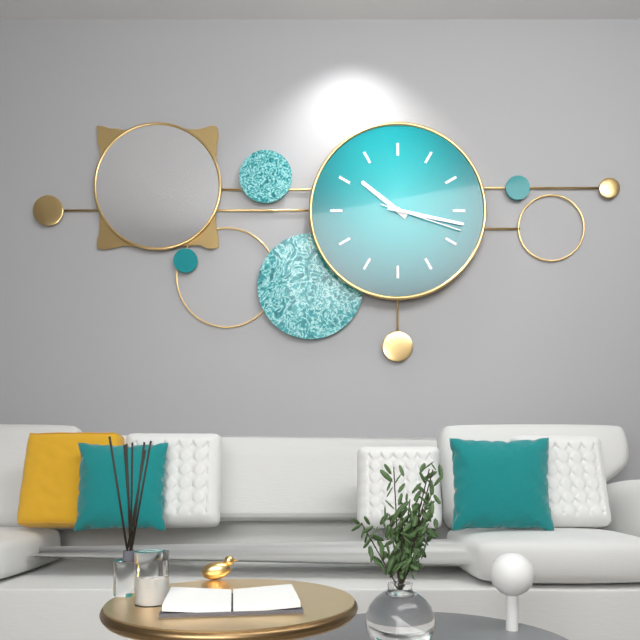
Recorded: h=10 m=17 s=18
